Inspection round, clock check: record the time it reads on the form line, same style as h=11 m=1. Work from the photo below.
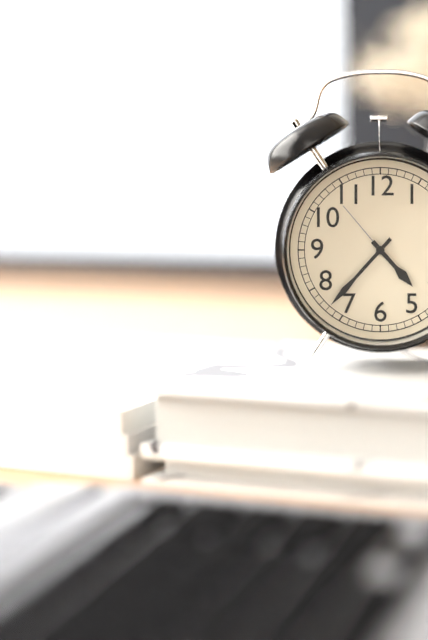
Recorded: h=4 m=37
